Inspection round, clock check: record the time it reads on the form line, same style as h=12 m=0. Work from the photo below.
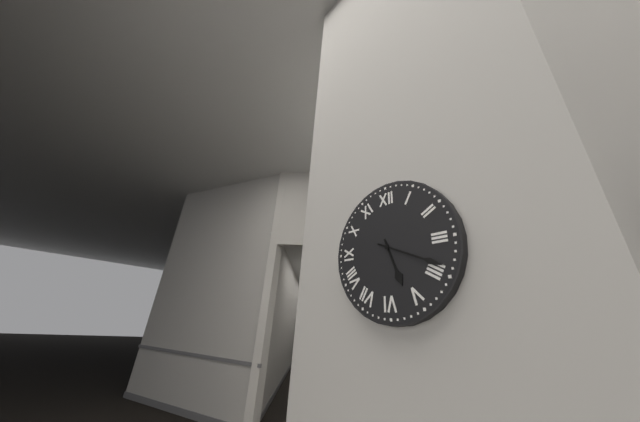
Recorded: h=5 m=19
